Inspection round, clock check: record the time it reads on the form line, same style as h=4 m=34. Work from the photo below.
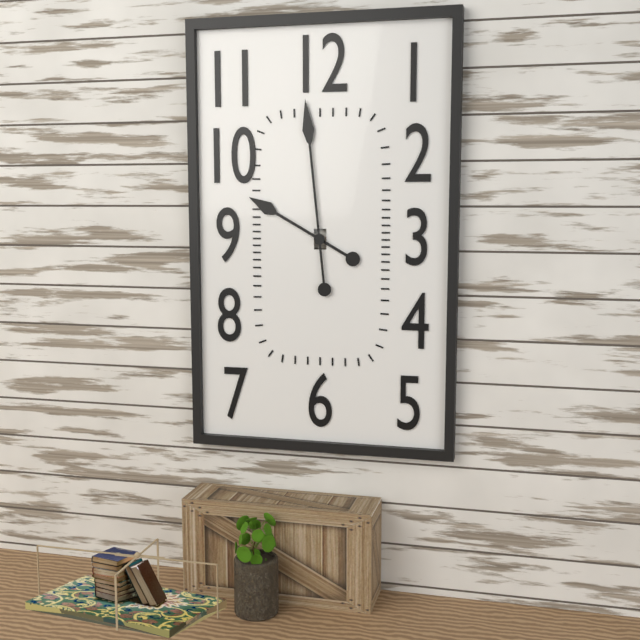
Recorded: h=9 m=59
